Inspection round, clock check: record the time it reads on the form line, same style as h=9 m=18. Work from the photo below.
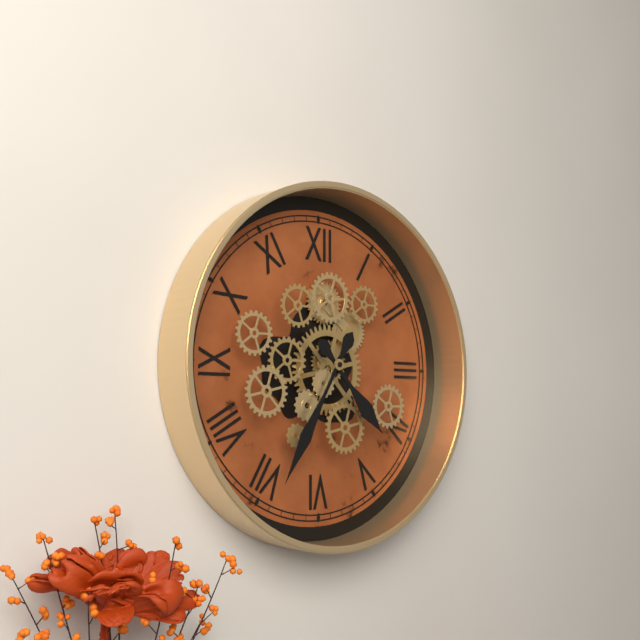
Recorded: h=4 m=35
